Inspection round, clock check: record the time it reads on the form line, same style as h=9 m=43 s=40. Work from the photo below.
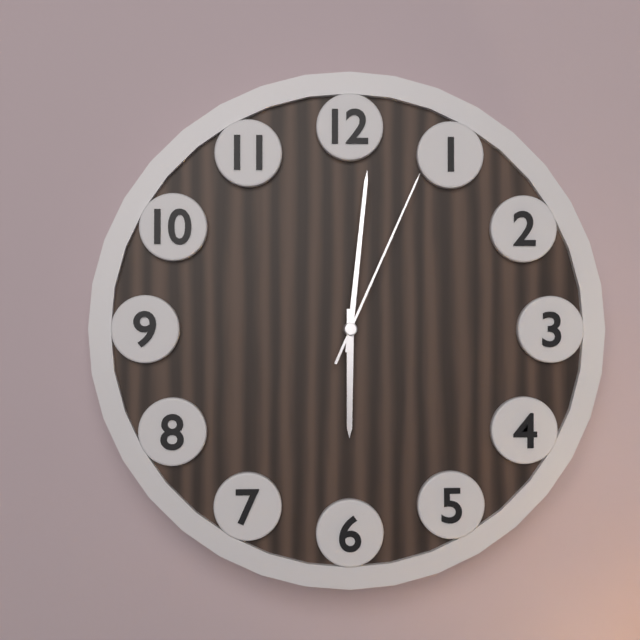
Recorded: h=6 m=1 s=4
